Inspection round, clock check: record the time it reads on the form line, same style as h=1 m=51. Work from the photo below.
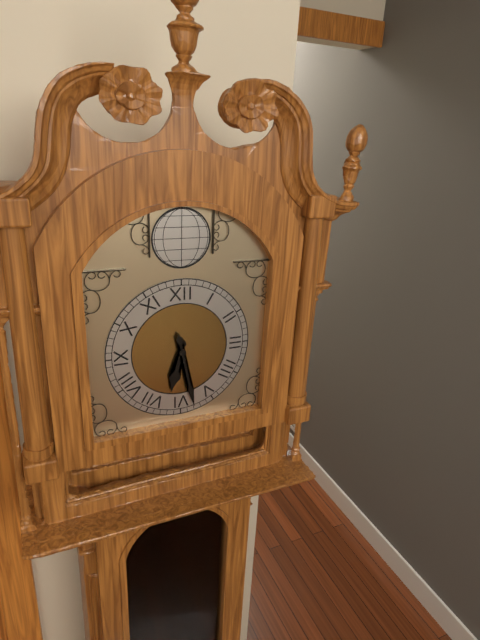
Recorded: h=6 m=28
